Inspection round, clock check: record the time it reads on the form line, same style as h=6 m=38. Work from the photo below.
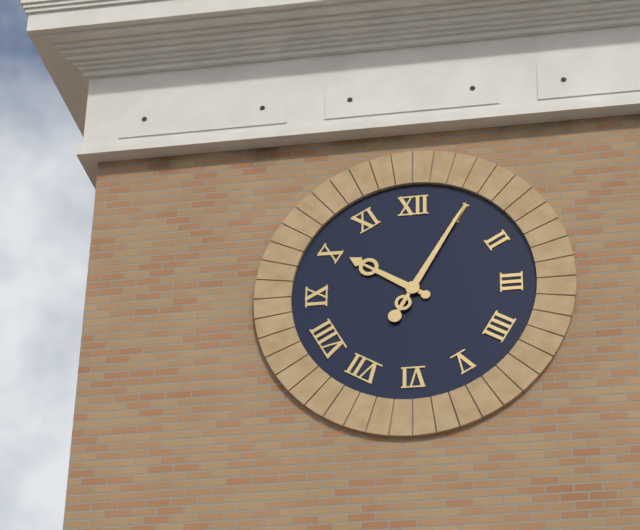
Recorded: h=10 m=5
